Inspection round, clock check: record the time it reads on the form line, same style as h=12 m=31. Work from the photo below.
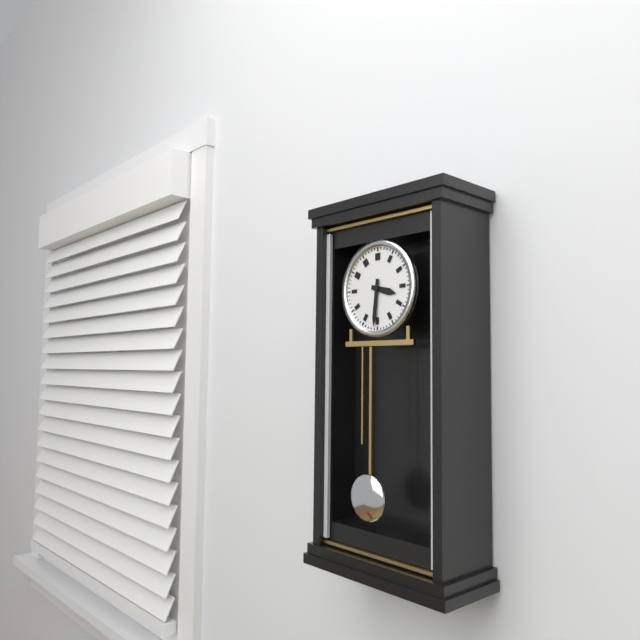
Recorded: h=3 m=31
